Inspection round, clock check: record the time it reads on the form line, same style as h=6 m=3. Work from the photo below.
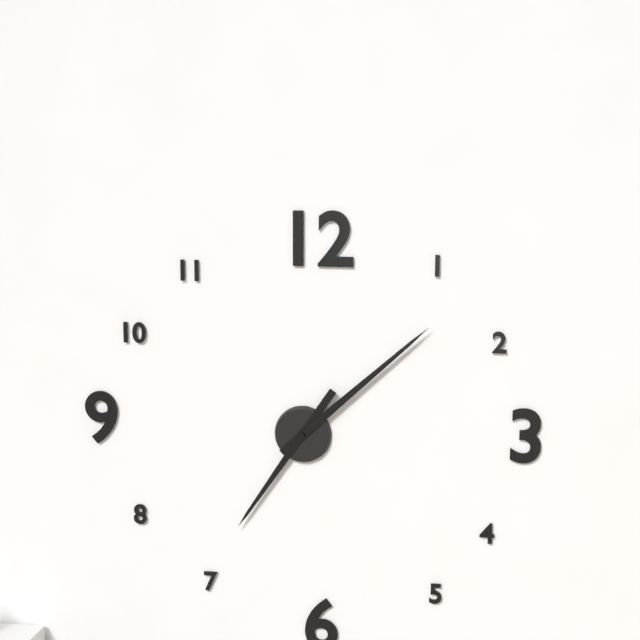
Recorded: h=7 m=8
